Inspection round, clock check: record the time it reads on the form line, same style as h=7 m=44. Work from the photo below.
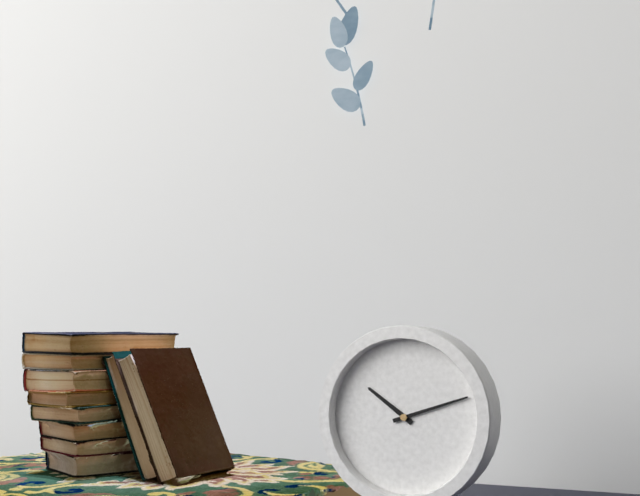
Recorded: h=10 m=12
